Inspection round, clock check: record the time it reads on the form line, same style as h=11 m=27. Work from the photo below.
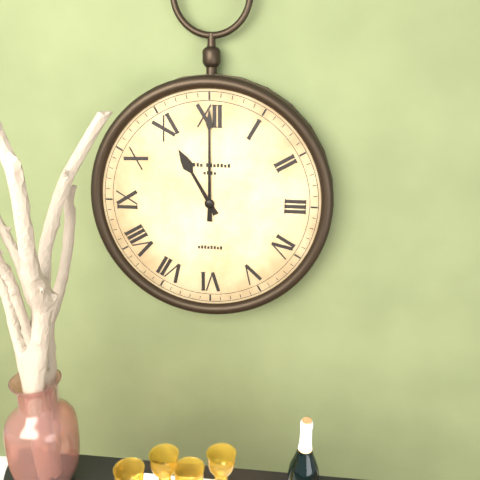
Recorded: h=11 m=0
